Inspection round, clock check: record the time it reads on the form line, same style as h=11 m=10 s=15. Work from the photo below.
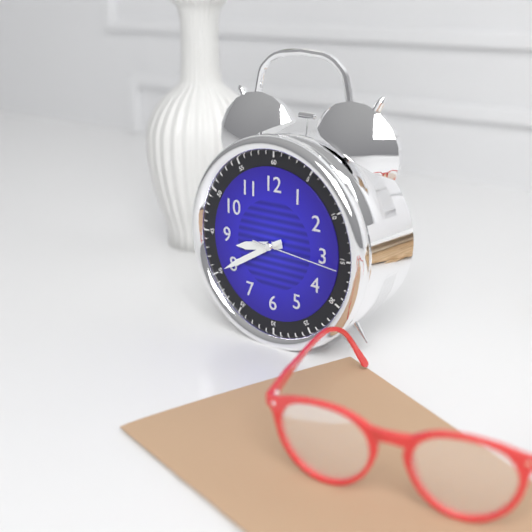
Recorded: h=8 m=40 s=16
